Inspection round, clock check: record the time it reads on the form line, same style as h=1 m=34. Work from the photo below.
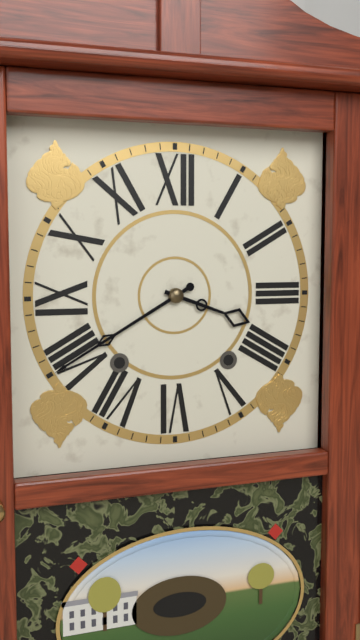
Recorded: h=3 m=40
